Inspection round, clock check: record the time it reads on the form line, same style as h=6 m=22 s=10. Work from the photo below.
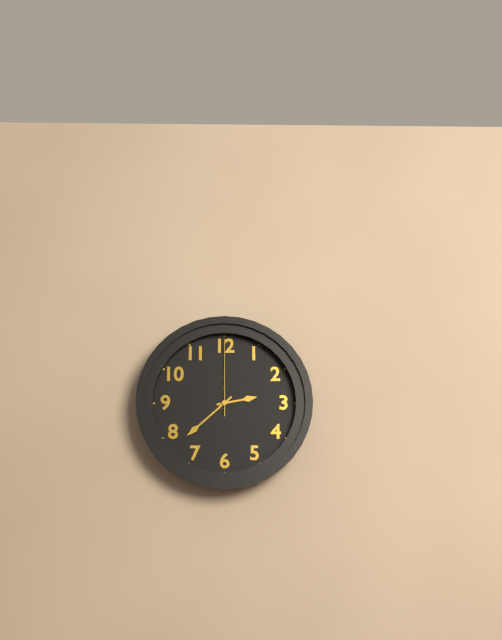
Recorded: h=2 m=38 s=0
